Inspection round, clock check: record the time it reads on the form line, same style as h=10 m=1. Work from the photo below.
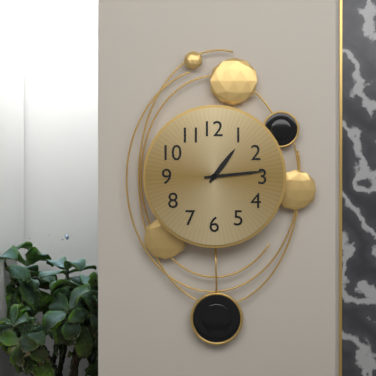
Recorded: h=1 m=14
